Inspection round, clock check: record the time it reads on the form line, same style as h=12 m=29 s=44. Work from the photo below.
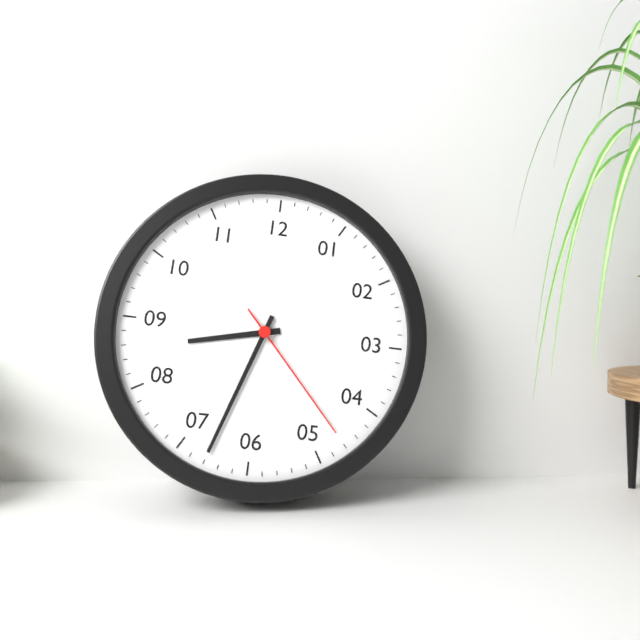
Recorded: h=8 m=33 s=23
